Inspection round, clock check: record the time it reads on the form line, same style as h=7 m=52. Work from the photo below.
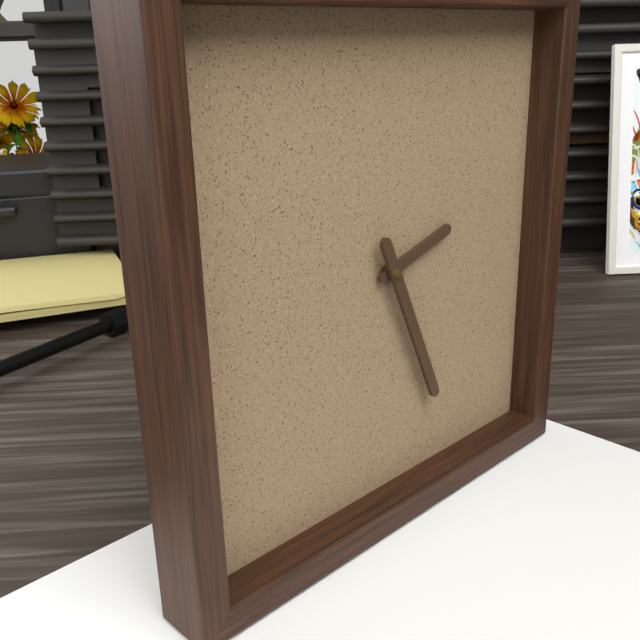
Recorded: h=2 m=26
